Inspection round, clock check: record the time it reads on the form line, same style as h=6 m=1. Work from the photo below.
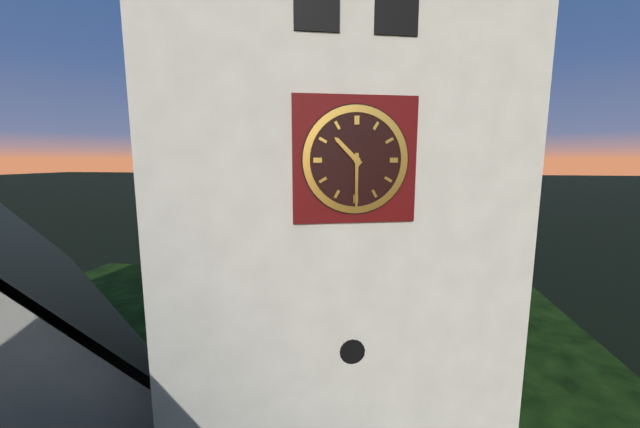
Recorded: h=10 m=30
